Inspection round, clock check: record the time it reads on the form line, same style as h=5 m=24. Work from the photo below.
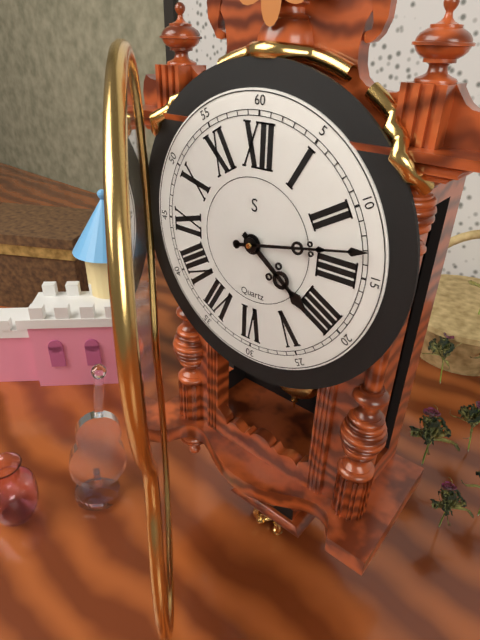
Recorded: h=4 m=13
